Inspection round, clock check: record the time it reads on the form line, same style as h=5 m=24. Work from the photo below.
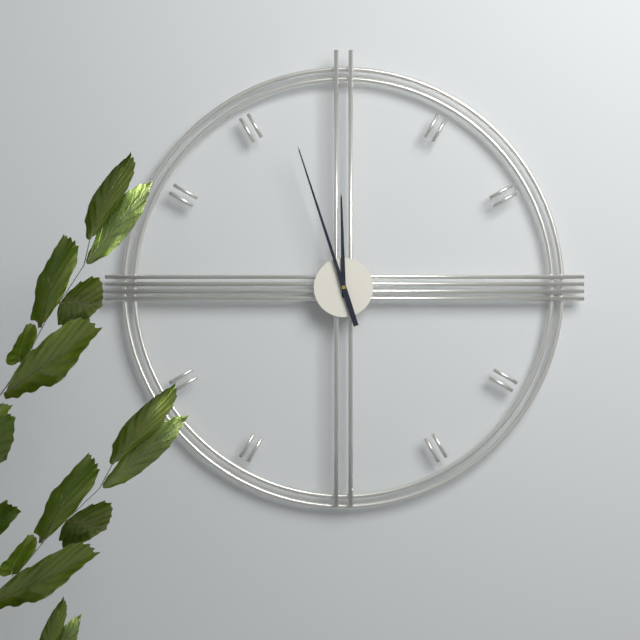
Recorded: h=11 m=57
